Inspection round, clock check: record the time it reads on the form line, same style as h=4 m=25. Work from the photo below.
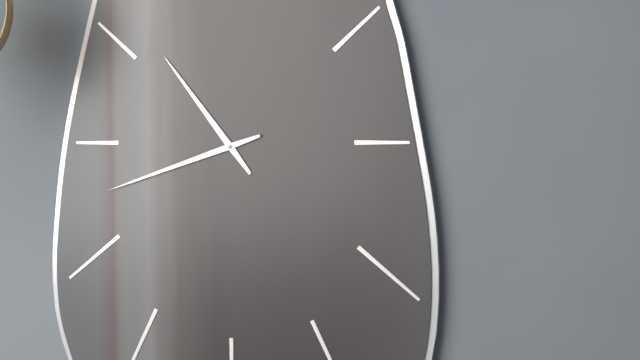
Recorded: h=10 m=42
